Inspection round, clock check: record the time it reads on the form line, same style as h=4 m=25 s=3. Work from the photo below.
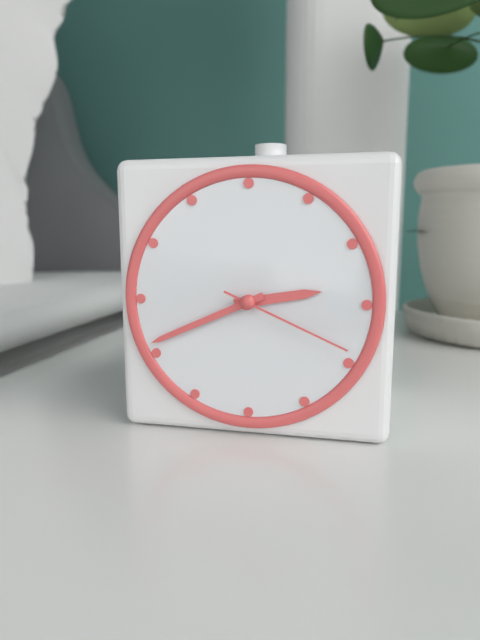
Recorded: h=2 m=41 s=19
